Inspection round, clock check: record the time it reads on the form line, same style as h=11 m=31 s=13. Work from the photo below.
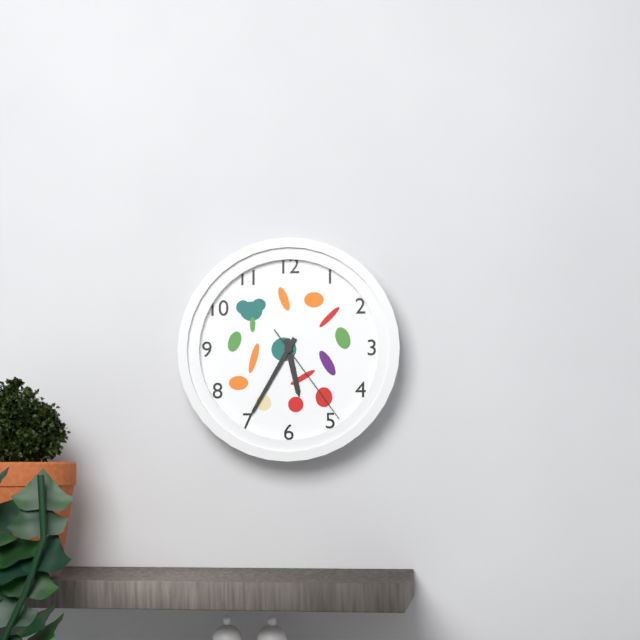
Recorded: h=5 m=35 s=24
